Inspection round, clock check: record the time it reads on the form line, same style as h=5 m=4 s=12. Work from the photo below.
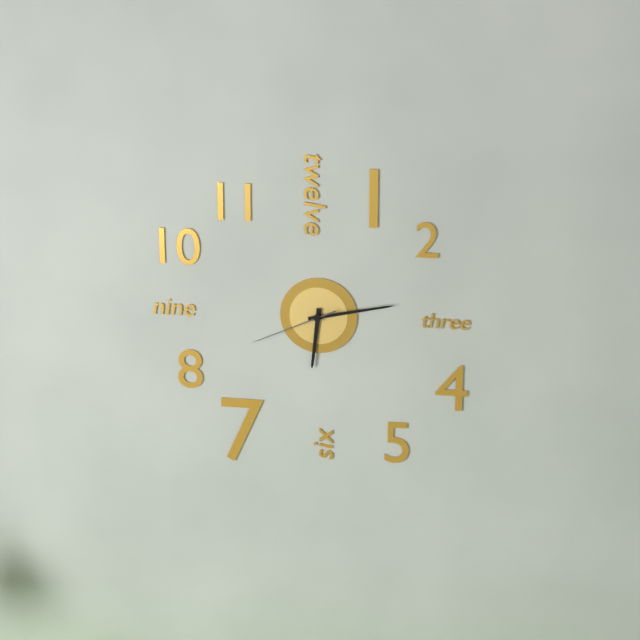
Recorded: h=6 m=13 s=41
